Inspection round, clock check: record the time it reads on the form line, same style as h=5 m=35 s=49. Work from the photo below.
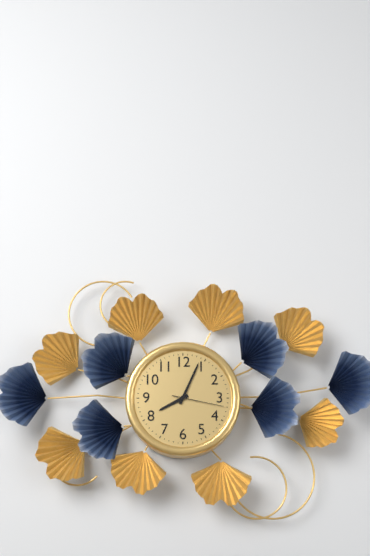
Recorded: h=8 m=4 s=17
